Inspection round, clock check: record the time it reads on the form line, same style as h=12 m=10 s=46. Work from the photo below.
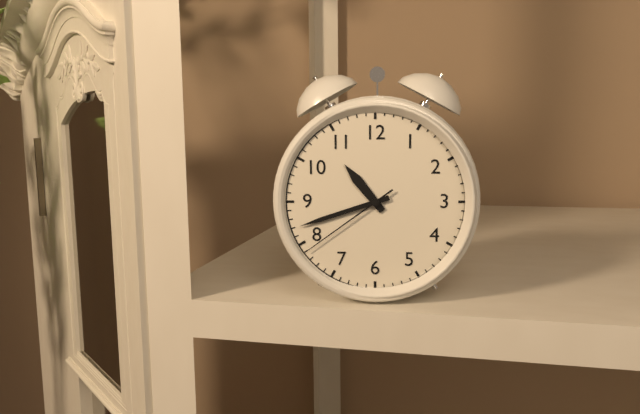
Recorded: h=10 m=42 s=39
